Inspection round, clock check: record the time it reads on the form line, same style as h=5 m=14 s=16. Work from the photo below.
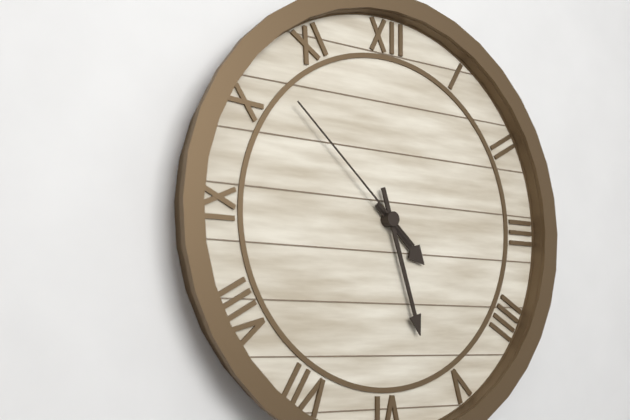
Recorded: h=4 m=27 s=52
